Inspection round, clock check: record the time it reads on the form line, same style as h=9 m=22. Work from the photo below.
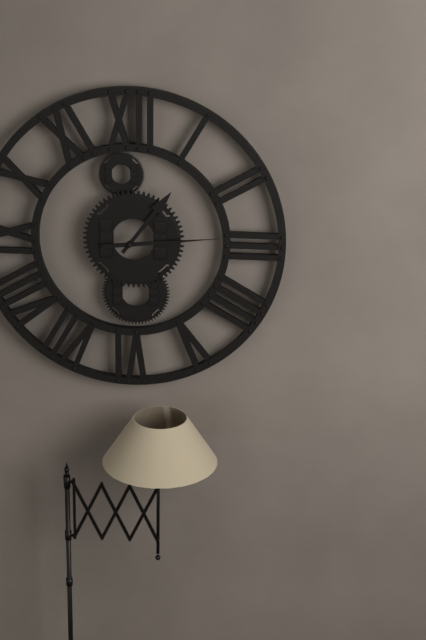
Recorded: h=1 m=14
